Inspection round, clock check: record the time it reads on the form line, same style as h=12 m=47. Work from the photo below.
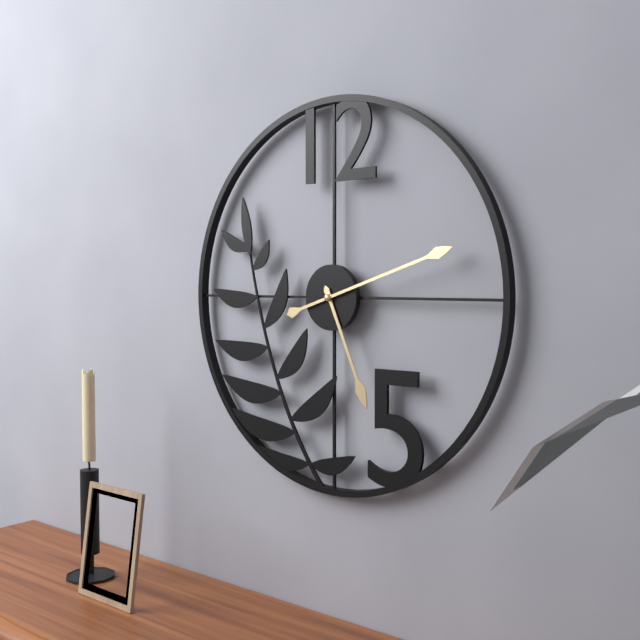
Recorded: h=5 m=12
